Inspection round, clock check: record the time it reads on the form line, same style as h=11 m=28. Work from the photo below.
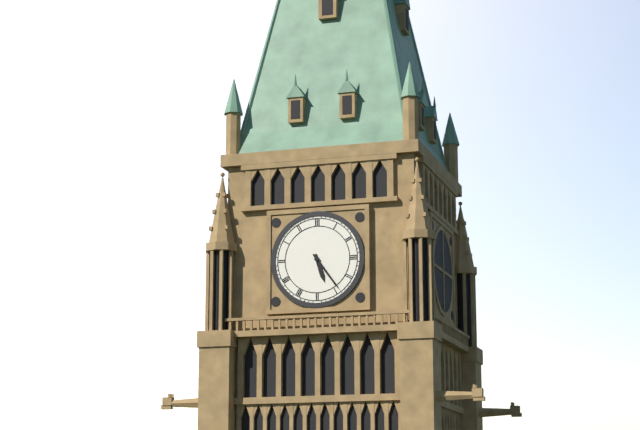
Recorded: h=5 m=24
